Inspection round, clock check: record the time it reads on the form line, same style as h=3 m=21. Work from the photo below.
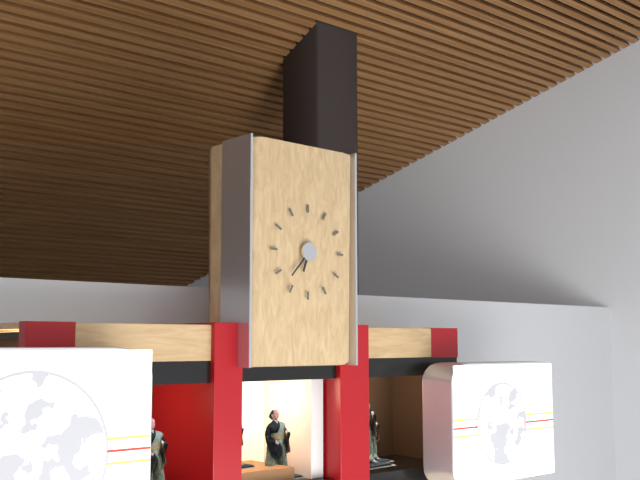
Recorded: h=6 m=37
